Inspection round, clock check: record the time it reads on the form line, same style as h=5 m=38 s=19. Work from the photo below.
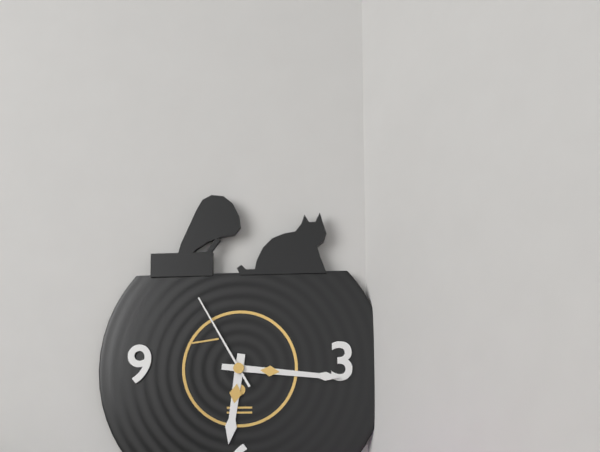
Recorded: h=6 m=16 s=55
